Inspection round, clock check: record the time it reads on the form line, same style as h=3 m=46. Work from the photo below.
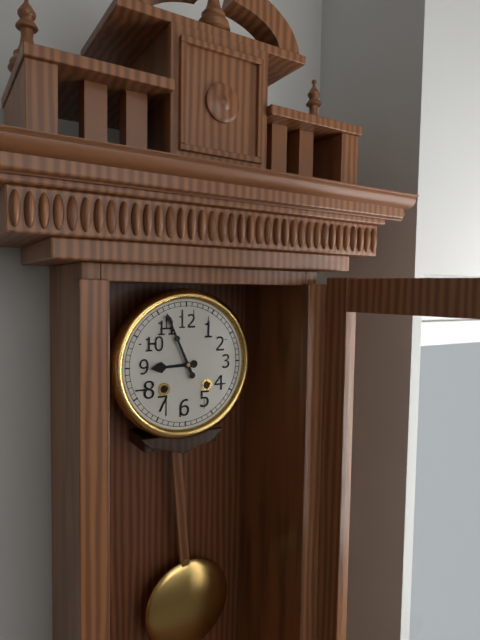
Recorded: h=8 m=56
